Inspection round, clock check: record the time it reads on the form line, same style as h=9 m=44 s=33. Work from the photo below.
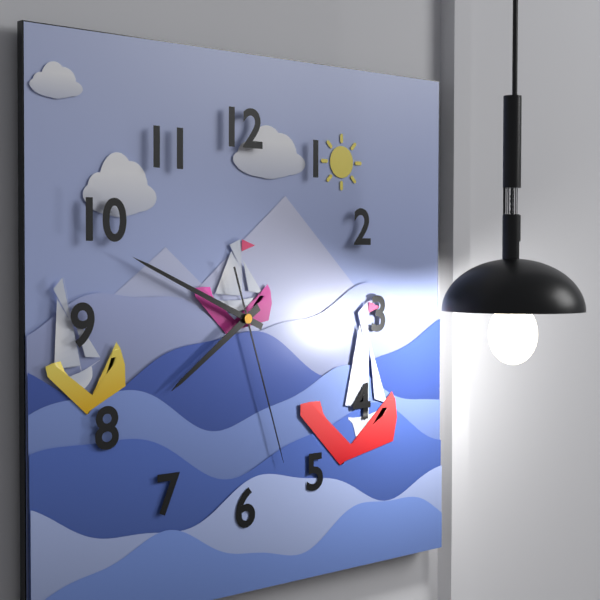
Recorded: h=7 m=49 s=27
